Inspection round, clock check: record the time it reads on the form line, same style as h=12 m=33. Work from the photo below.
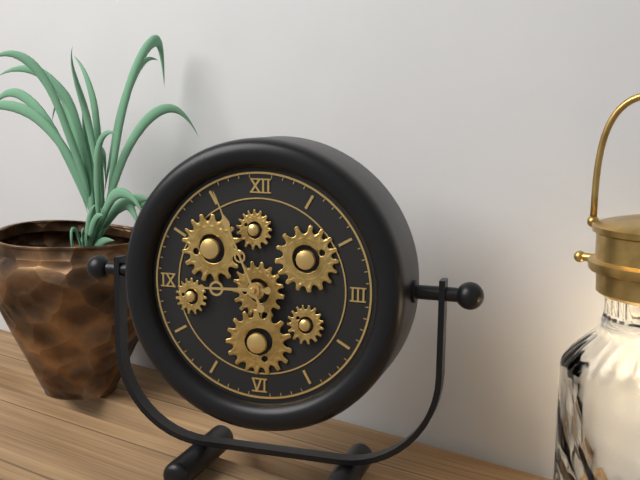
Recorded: h=8 m=56
